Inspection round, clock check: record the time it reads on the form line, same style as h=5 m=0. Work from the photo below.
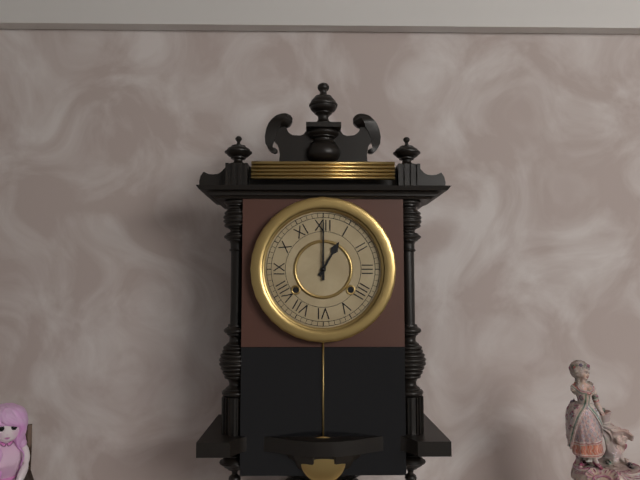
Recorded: h=1 m=0
